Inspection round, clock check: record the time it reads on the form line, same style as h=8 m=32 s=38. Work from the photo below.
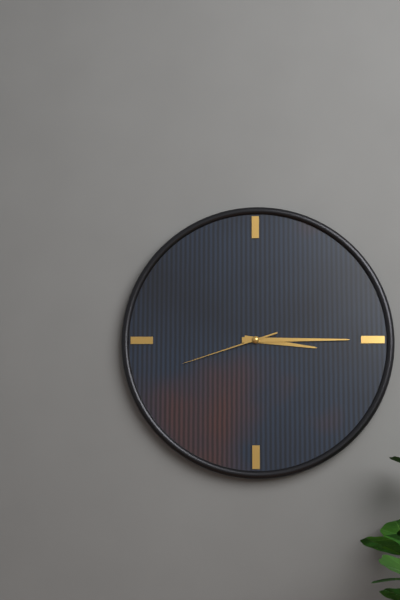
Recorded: h=3 m=15 s=42
